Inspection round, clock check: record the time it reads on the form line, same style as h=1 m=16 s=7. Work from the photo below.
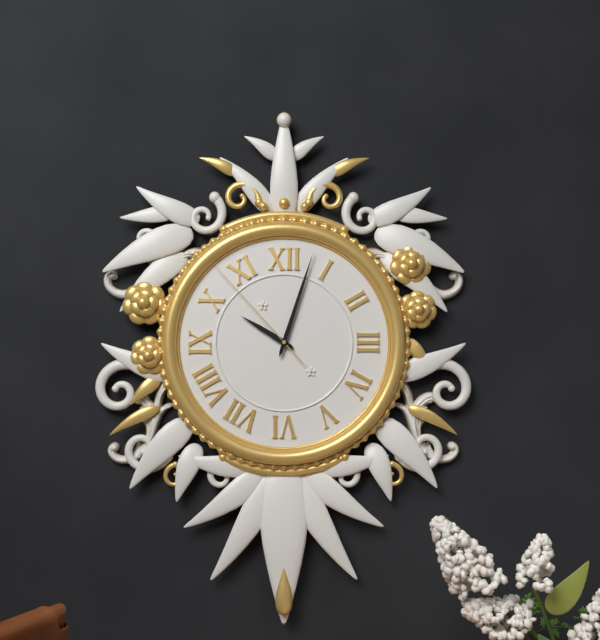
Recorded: h=10 m=3 s=53
